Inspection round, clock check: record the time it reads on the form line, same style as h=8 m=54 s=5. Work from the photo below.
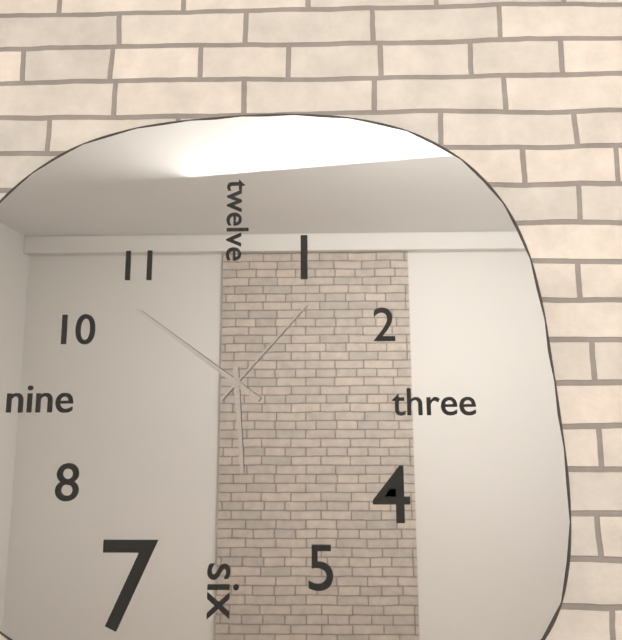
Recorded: h=5 m=51 s=7
